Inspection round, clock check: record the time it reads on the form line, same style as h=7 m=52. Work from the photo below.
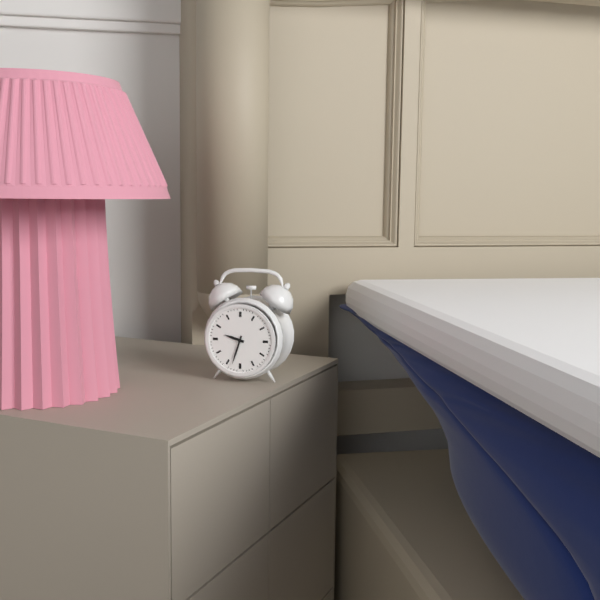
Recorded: h=9 m=33
